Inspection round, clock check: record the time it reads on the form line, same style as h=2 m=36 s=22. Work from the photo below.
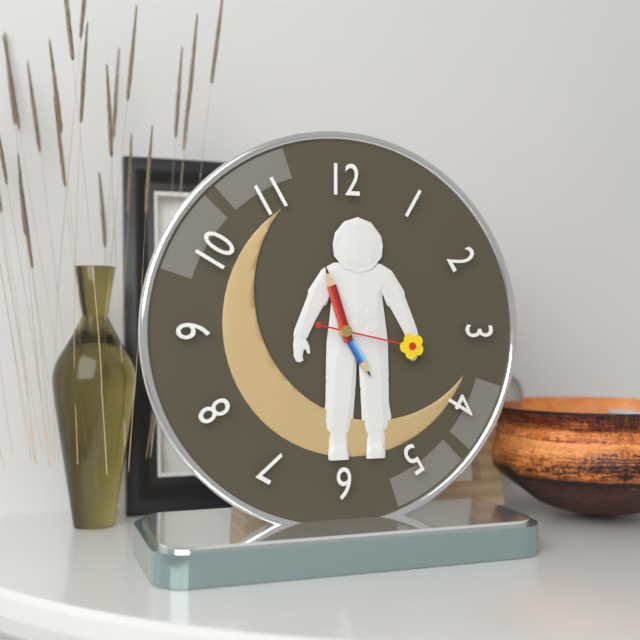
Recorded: h=4 m=57 s=17
